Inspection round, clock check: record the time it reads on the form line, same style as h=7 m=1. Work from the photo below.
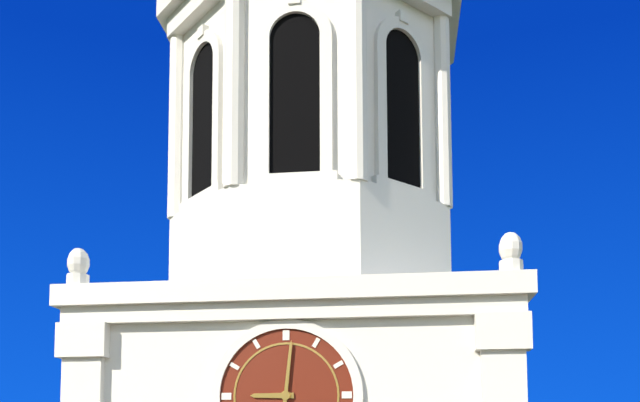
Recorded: h=9 m=1
